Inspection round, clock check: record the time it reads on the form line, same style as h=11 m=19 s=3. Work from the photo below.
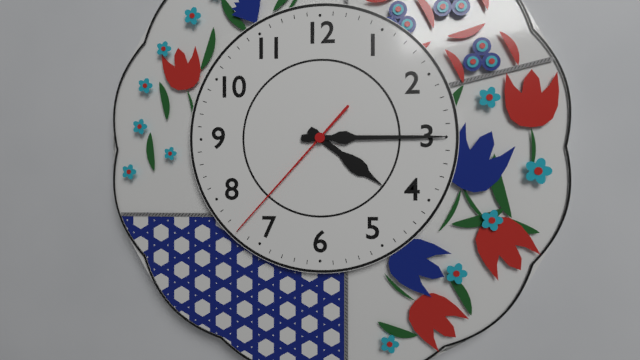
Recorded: h=4 m=15 s=37
